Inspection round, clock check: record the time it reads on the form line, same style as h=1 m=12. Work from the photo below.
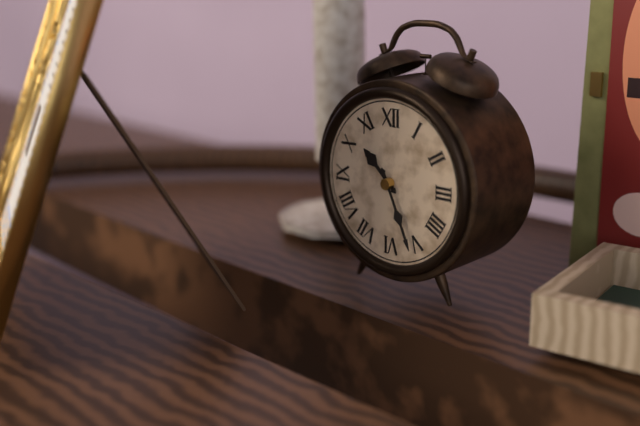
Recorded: h=10 m=26
